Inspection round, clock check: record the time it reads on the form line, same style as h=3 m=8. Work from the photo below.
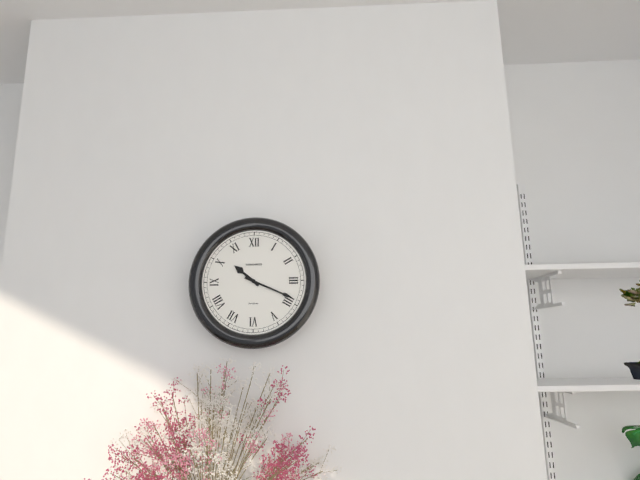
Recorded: h=10 m=19
